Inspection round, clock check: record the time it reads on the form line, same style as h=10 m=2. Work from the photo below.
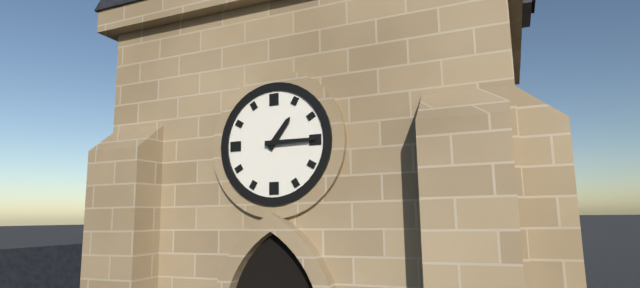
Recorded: h=1 m=15
